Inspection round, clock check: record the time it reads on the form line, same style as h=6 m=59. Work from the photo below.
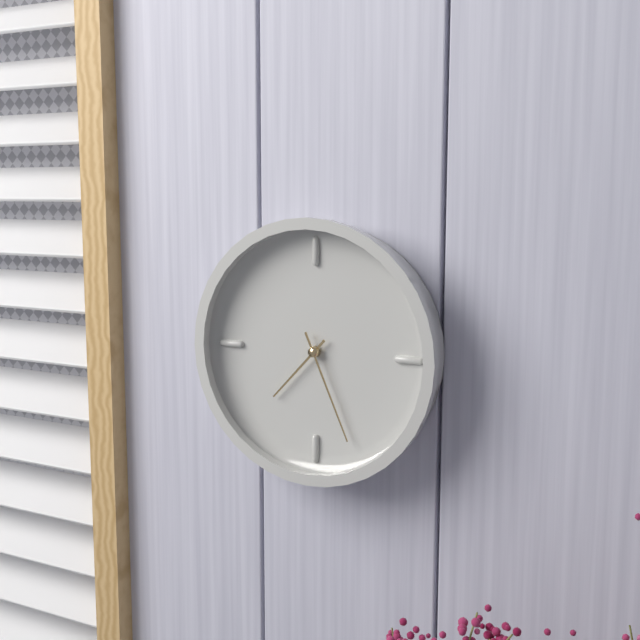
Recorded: h=7 m=26
